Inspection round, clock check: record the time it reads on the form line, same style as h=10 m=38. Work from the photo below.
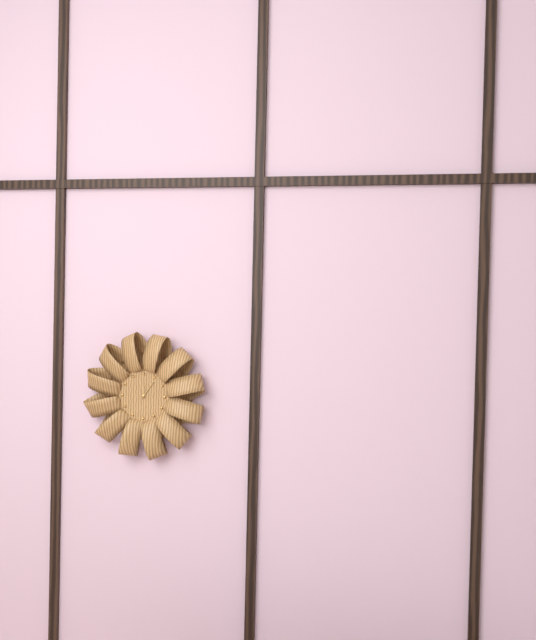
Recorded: h=12 m=6
